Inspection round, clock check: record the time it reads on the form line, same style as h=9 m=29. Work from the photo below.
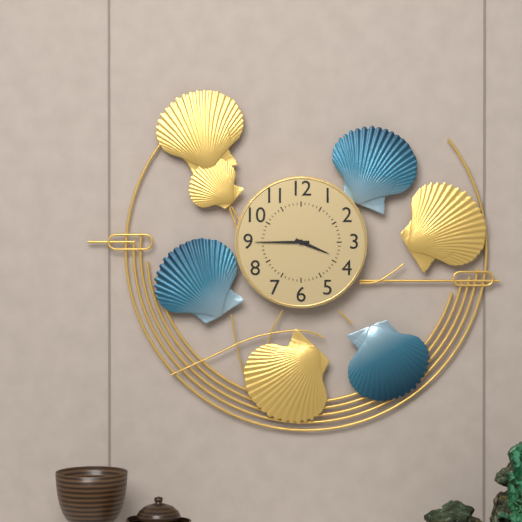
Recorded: h=3 m=45
